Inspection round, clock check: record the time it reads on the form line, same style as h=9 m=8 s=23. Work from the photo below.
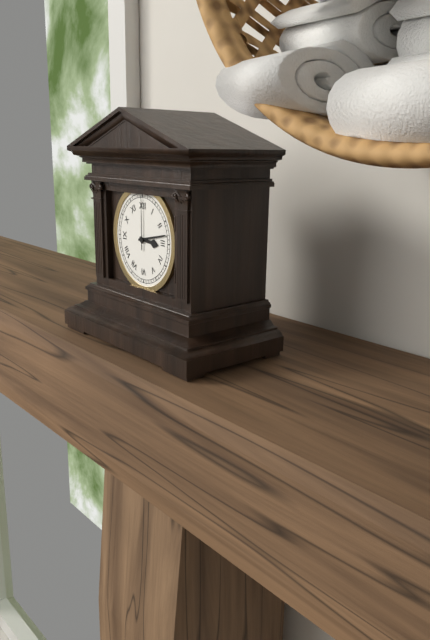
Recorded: h=3 m=13 s=0
